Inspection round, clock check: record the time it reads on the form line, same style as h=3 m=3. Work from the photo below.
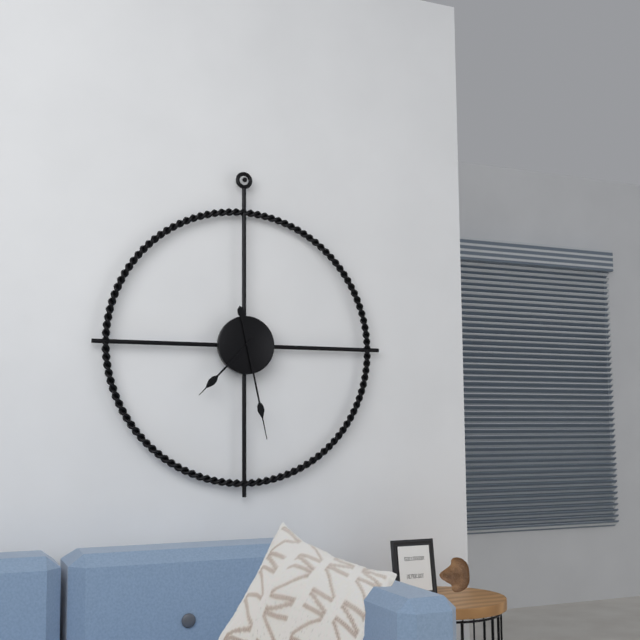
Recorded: h=7 m=28
